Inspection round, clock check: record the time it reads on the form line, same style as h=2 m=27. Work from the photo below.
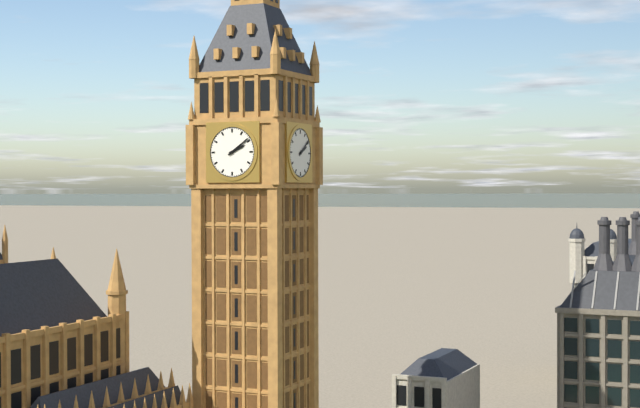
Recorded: h=2 m=9
